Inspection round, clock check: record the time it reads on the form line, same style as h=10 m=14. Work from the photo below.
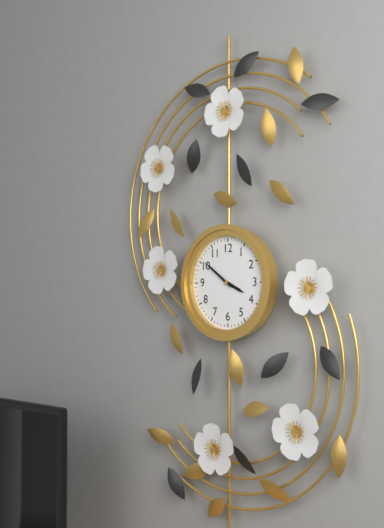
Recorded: h=3 m=51
